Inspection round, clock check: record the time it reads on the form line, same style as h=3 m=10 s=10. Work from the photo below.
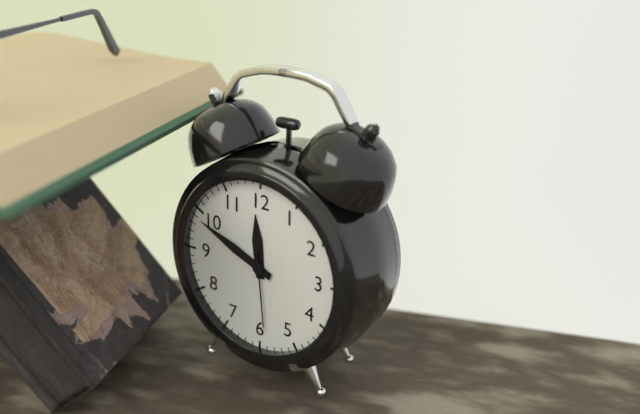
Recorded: h=11 m=49 s=29
